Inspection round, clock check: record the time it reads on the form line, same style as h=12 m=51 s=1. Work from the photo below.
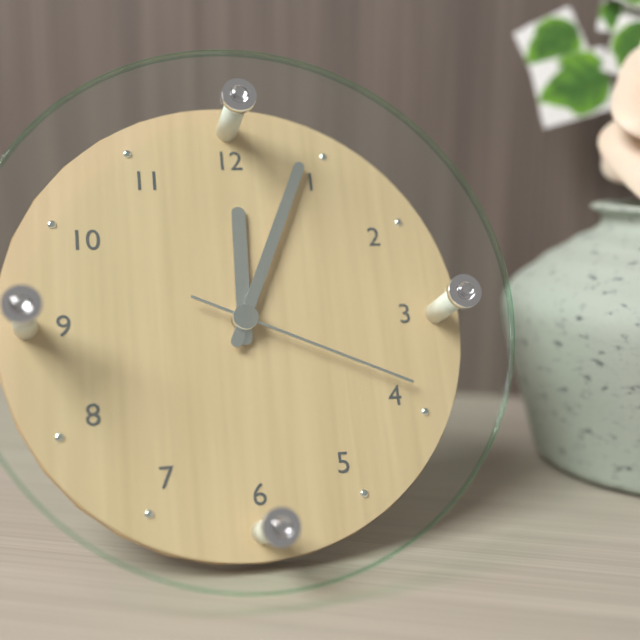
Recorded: h=12 m=4 s=19
